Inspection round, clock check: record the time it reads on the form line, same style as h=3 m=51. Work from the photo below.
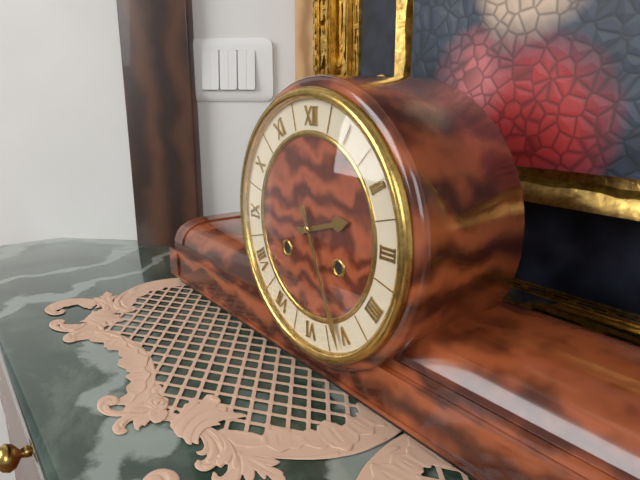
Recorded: h=2 m=26
